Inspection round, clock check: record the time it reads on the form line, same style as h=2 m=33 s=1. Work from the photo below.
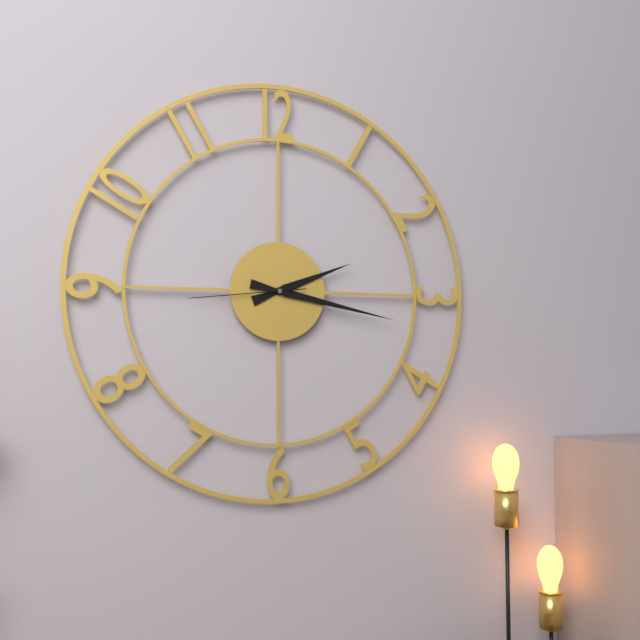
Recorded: h=2 m=17 s=44
